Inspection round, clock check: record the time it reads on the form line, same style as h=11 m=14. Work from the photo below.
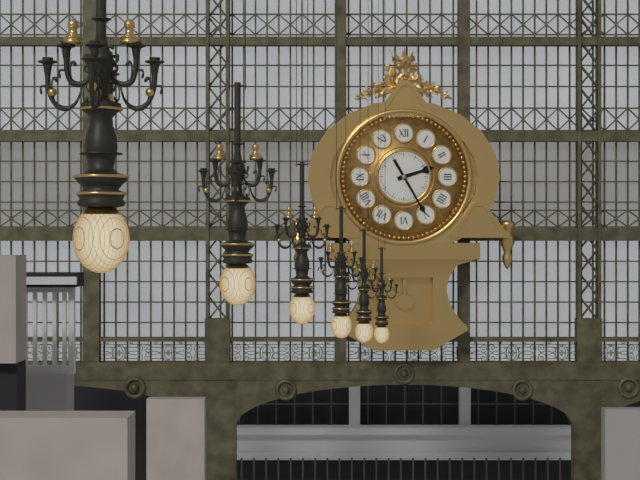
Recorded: h=2 m=25
